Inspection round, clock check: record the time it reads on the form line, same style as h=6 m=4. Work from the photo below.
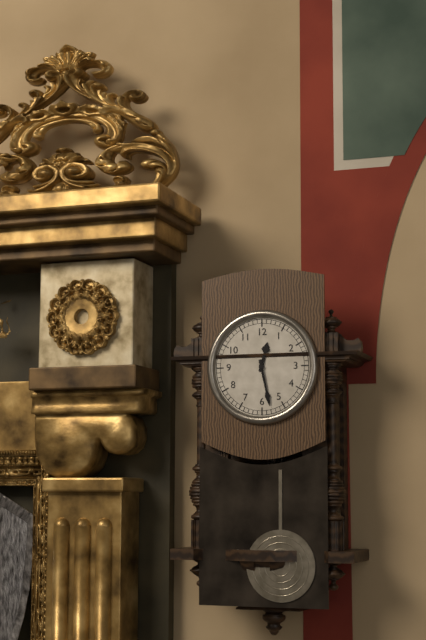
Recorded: h=12 m=28
